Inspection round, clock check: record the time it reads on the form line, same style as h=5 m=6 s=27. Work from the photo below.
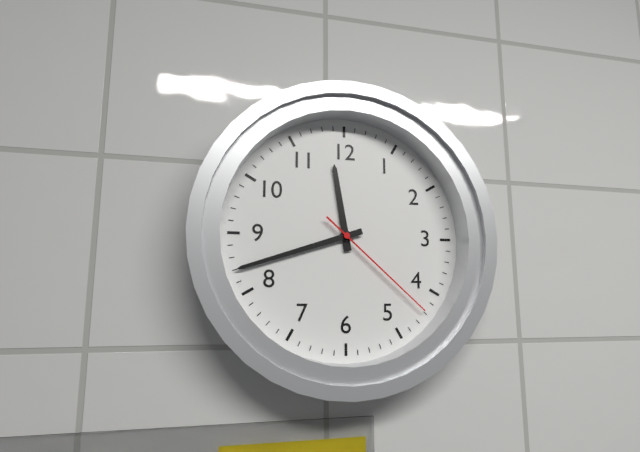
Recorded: h=11 m=42 s=22
